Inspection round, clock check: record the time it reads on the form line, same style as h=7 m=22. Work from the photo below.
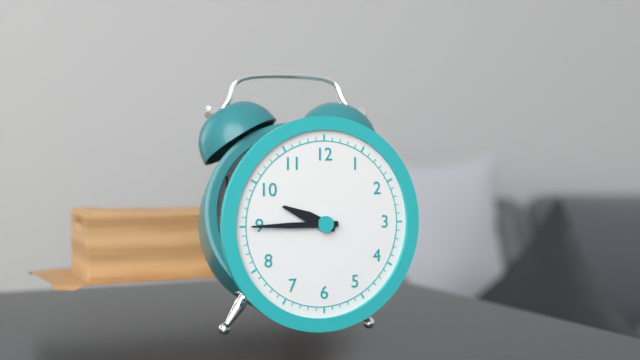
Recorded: h=9 m=45
